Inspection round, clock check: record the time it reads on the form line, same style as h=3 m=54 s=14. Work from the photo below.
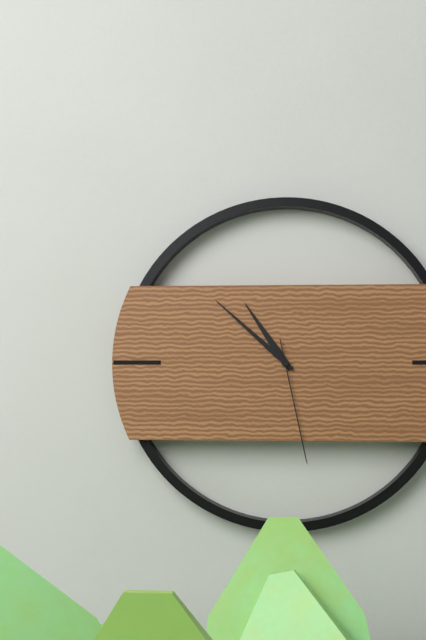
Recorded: h=10 m=52 s=28
